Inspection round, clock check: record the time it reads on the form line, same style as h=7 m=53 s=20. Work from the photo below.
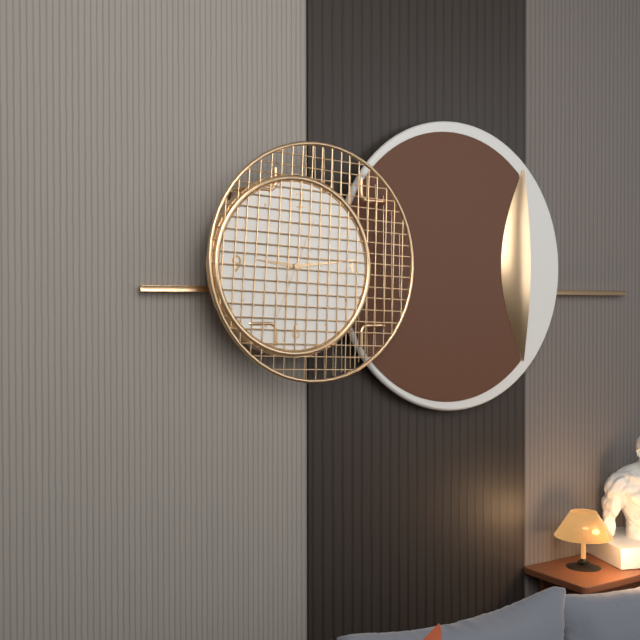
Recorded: h=9 m=14 s=34
